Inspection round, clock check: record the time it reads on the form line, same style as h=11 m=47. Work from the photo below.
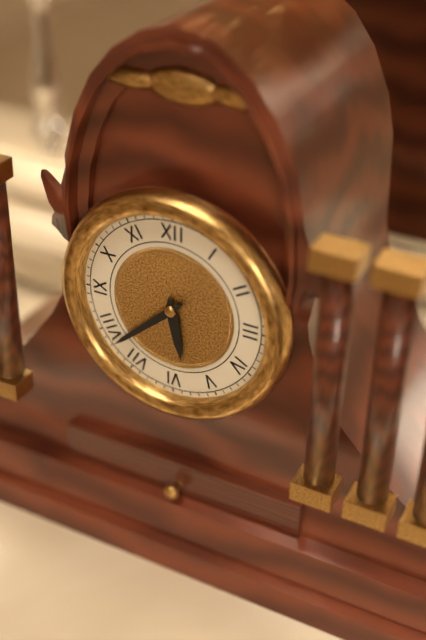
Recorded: h=5 m=38
